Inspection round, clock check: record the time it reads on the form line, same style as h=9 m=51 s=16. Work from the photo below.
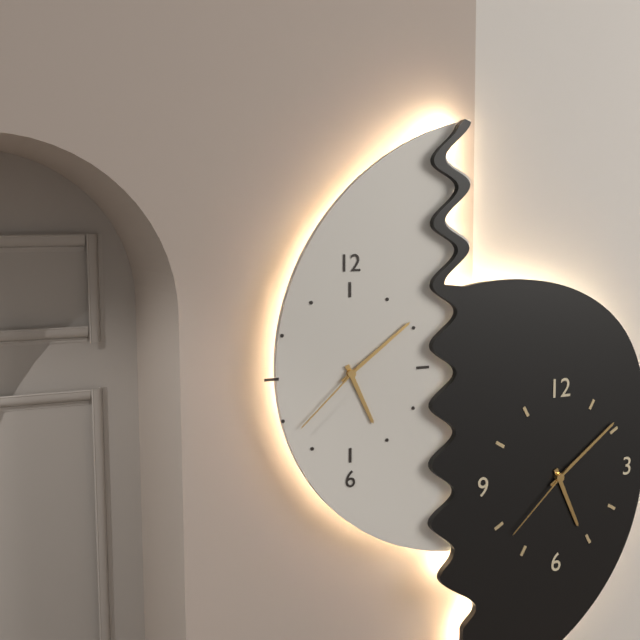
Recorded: h=5 m=9 s=38
